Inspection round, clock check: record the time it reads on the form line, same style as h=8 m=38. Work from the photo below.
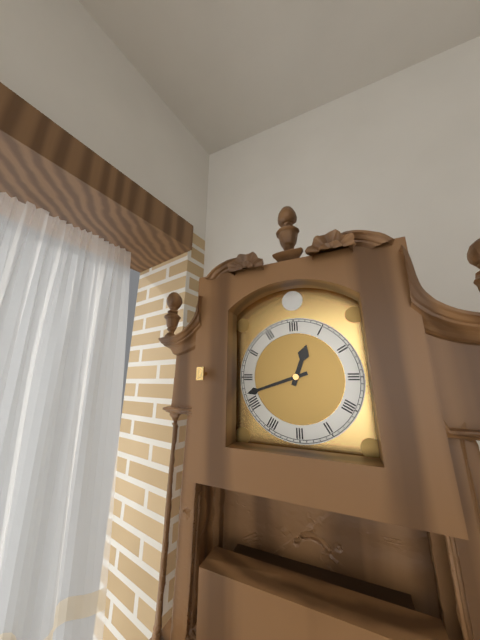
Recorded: h=12 m=42
